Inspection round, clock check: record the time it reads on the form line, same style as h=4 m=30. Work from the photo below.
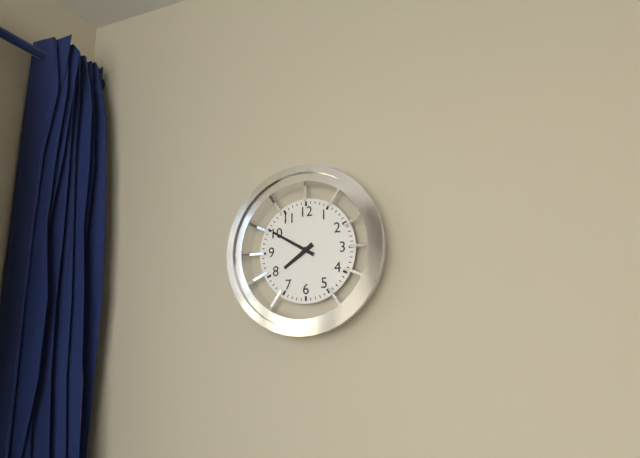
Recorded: h=7 m=50
